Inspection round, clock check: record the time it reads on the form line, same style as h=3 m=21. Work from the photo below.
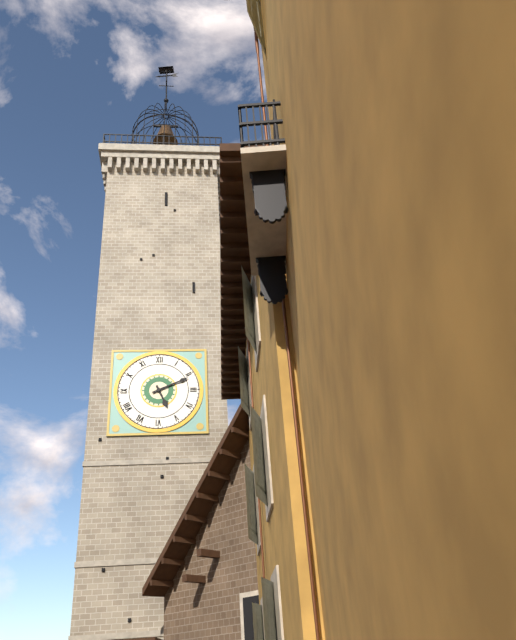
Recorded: h=5 m=11
